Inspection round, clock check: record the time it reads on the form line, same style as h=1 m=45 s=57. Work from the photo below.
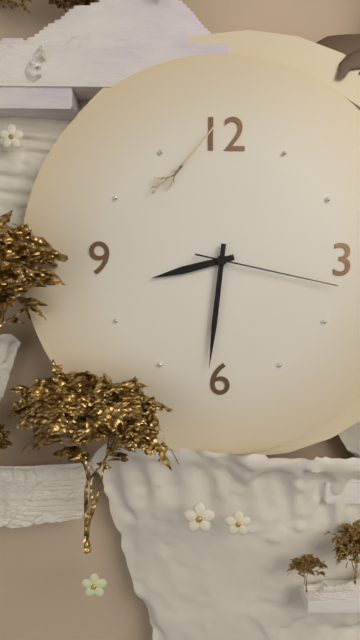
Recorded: h=8 m=31 s=17
